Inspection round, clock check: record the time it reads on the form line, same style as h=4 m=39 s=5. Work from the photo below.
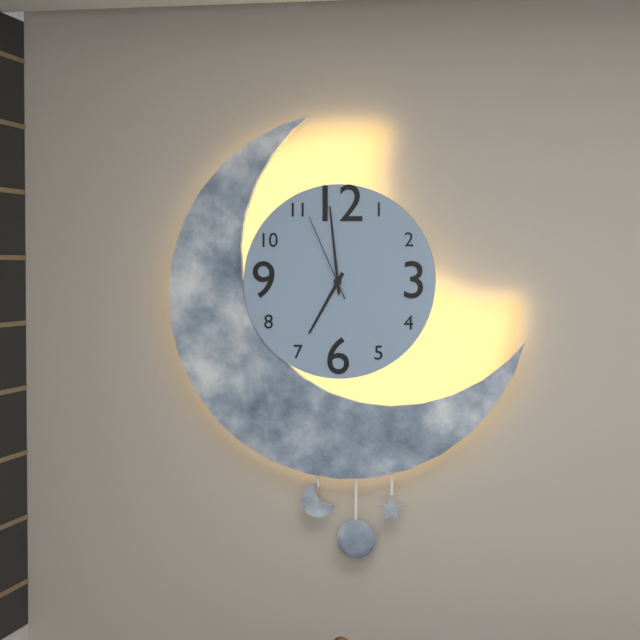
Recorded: h=6 m=59 s=56
